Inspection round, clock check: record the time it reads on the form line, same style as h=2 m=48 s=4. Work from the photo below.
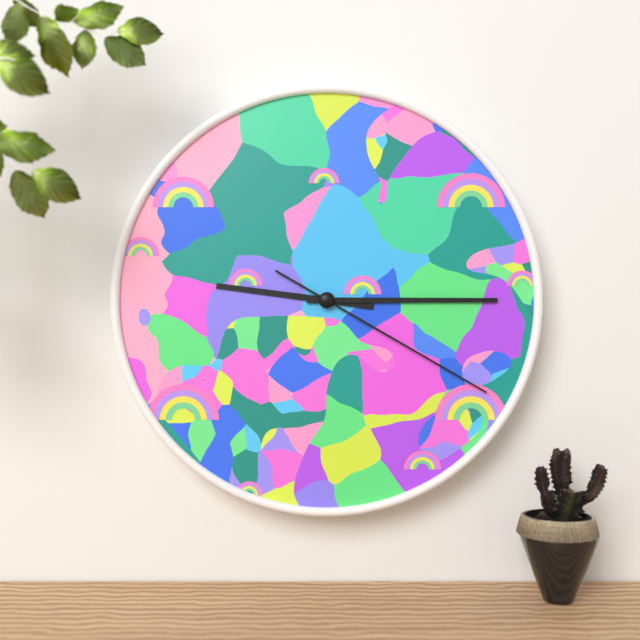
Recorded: h=9 m=15 s=20
